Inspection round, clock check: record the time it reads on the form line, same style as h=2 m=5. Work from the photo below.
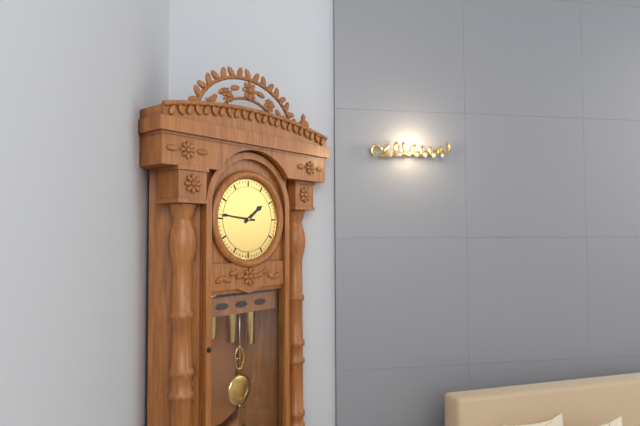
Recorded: h=1 m=46
